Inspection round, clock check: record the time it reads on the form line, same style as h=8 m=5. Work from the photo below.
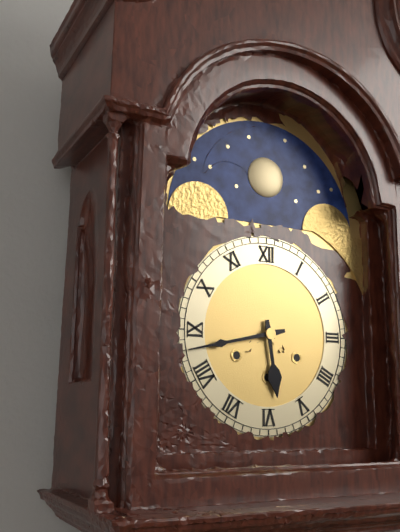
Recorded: h=5 m=43
